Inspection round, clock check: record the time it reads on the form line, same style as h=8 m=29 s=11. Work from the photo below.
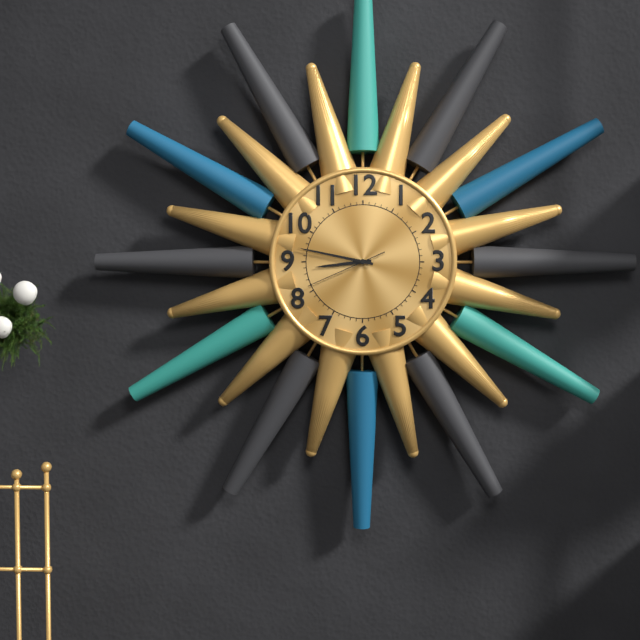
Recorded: h=8 m=47 s=41
